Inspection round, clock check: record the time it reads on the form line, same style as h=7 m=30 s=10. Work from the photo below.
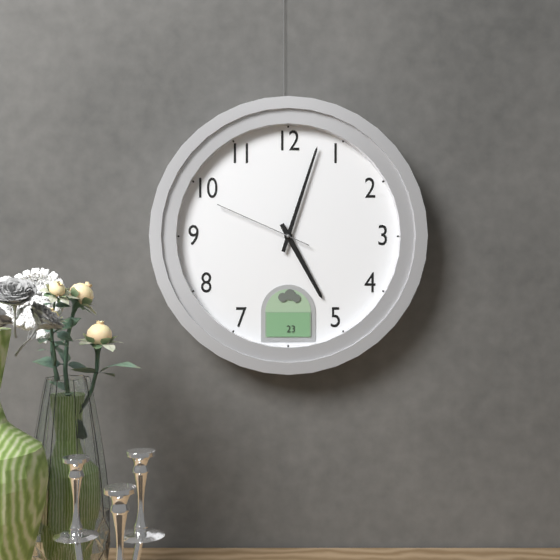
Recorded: h=5 m=3 s=49
